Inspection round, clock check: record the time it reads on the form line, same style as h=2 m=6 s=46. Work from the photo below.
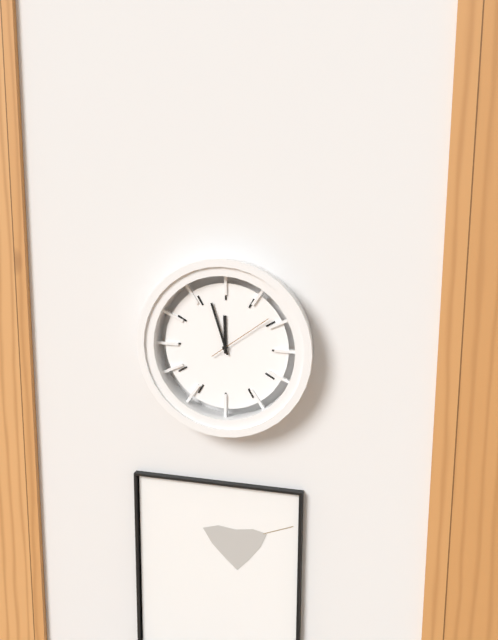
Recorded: h=11 m=57 s=9
